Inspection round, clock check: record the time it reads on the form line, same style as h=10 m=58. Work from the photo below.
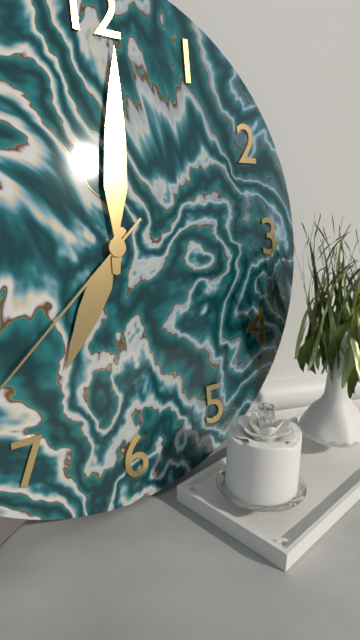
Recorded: h=7 m=1
